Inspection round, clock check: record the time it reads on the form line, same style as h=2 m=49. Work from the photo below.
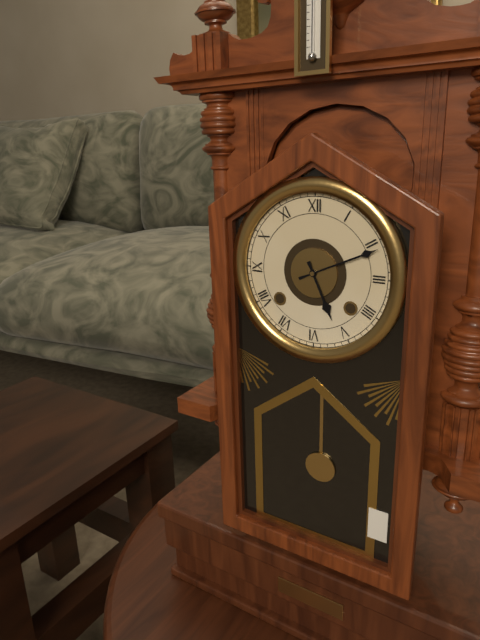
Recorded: h=5 m=11
